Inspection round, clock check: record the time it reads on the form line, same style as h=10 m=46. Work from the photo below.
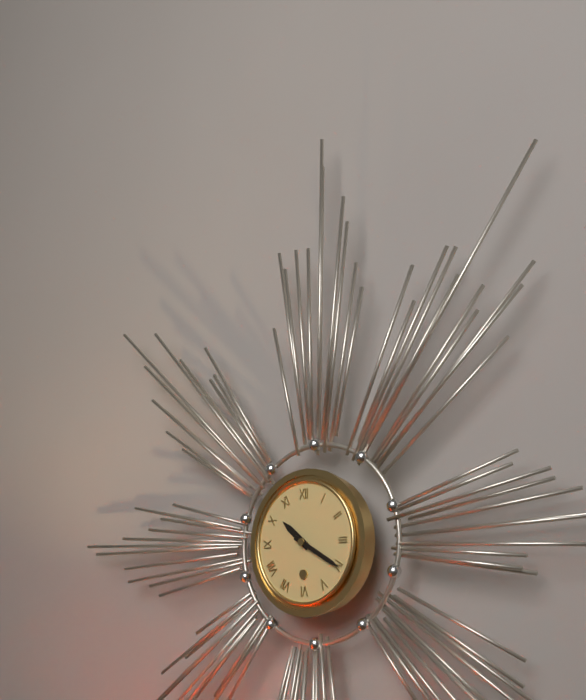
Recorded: h=10 m=20
